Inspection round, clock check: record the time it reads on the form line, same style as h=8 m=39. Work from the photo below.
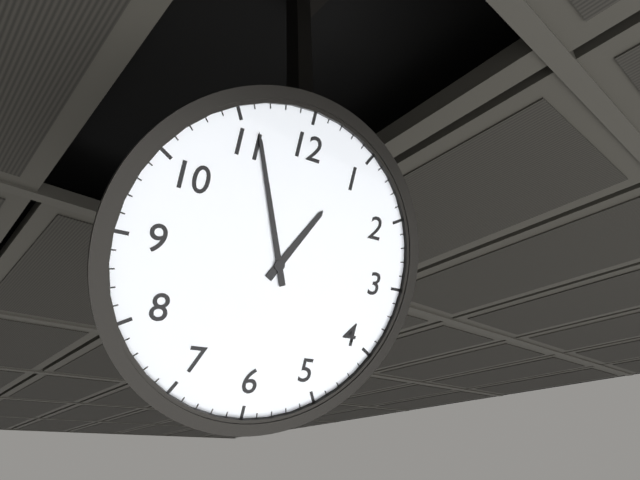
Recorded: h=12 m=56
